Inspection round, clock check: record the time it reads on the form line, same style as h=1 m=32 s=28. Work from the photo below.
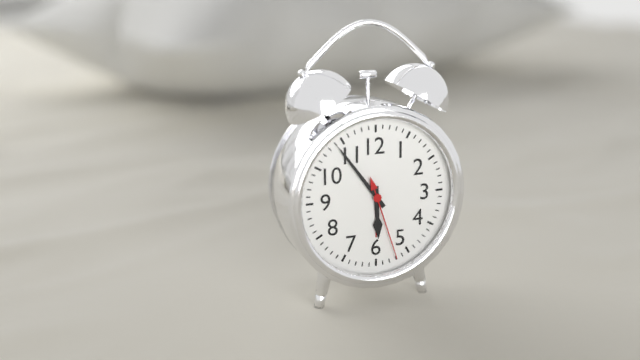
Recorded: h=5 m=54 s=27
